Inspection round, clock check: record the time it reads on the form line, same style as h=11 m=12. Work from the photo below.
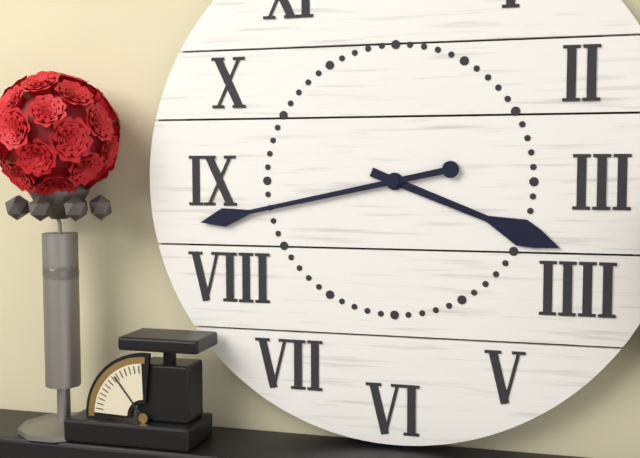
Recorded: h=3 m=43
